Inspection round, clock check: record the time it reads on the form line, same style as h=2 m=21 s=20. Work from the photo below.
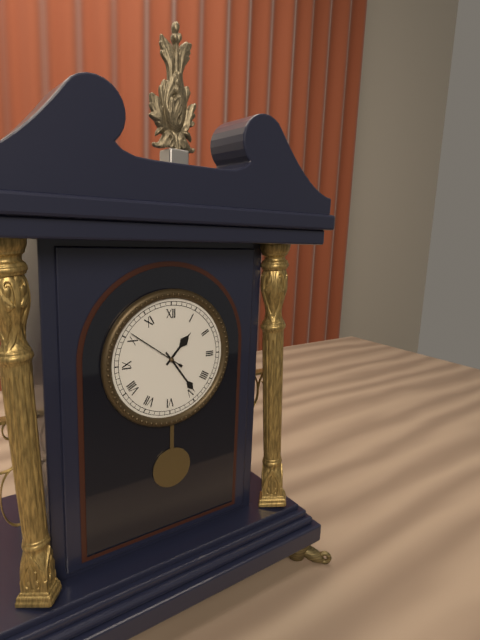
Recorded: h=1 m=24 s=51
